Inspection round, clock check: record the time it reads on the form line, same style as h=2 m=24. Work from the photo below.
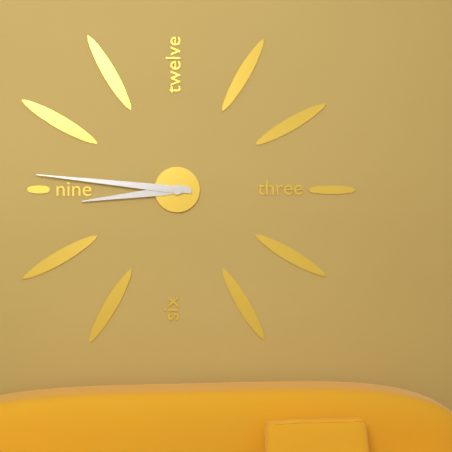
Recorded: h=8 m=46
